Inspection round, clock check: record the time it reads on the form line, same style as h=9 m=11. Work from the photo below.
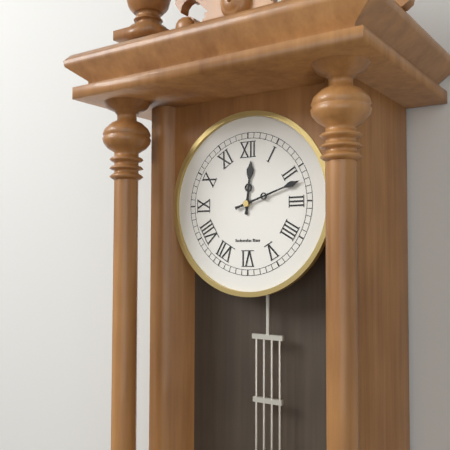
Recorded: h=12 m=12
